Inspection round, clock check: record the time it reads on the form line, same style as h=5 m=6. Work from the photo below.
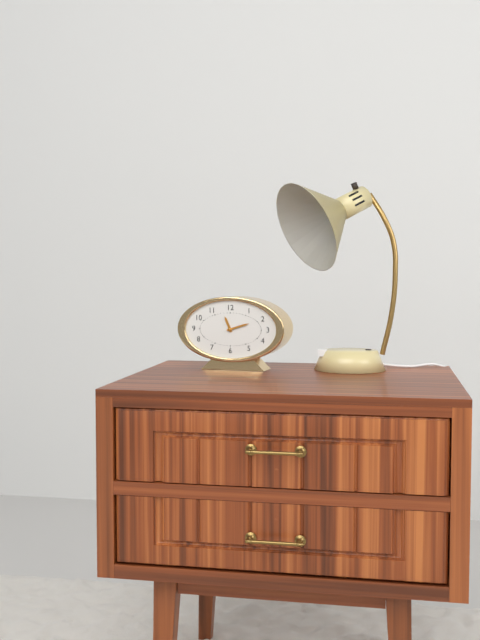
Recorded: h=11 m=12
